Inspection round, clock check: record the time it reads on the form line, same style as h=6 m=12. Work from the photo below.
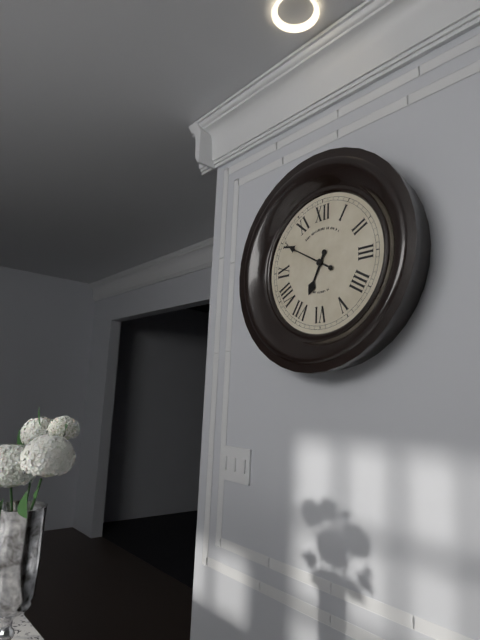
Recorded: h=6 m=50
